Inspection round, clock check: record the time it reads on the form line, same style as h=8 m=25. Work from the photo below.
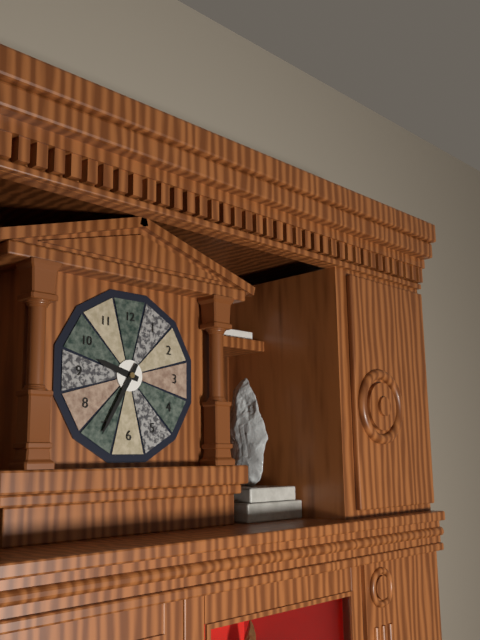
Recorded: h=9 m=35
